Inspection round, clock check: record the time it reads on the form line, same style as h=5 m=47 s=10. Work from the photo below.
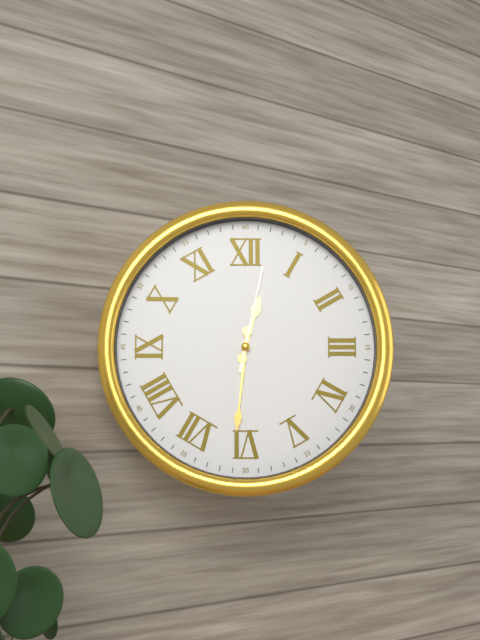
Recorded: h=12 m=31 s=2
